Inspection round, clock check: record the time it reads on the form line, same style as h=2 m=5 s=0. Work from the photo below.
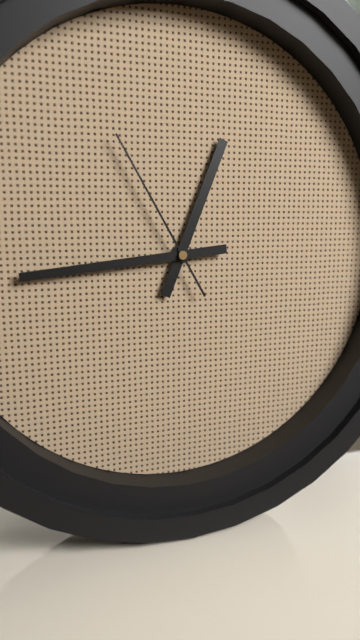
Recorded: h=12 m=44 s=55
